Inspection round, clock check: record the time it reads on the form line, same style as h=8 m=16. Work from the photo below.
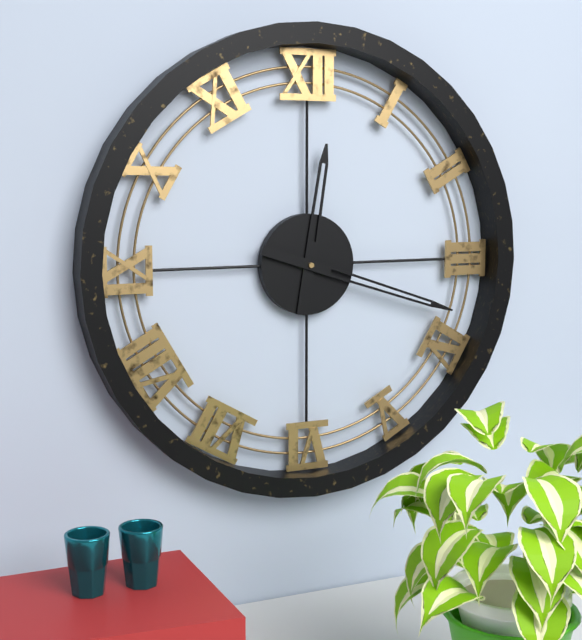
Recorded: h=12 m=18
